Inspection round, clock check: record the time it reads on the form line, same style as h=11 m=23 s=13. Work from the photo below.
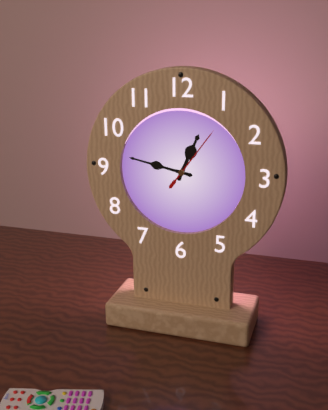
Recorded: h=12 m=47 s=6
